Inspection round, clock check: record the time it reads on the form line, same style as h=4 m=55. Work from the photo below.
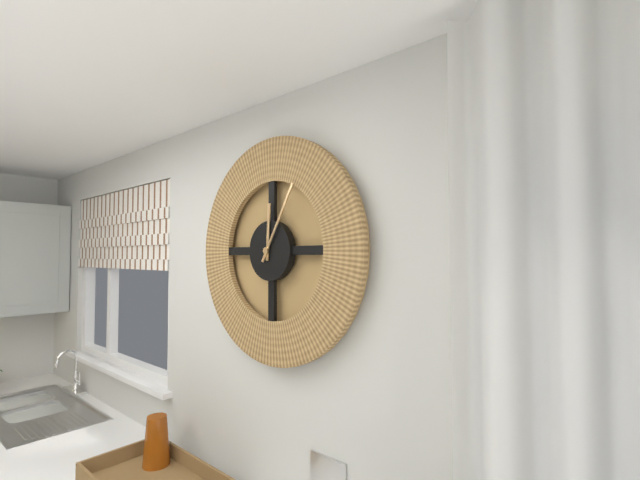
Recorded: h=12 m=5
